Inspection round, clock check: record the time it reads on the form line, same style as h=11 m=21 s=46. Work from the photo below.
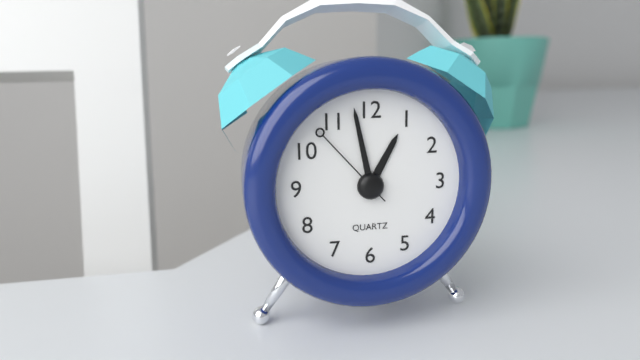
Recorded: h=12 m=58 s=53
